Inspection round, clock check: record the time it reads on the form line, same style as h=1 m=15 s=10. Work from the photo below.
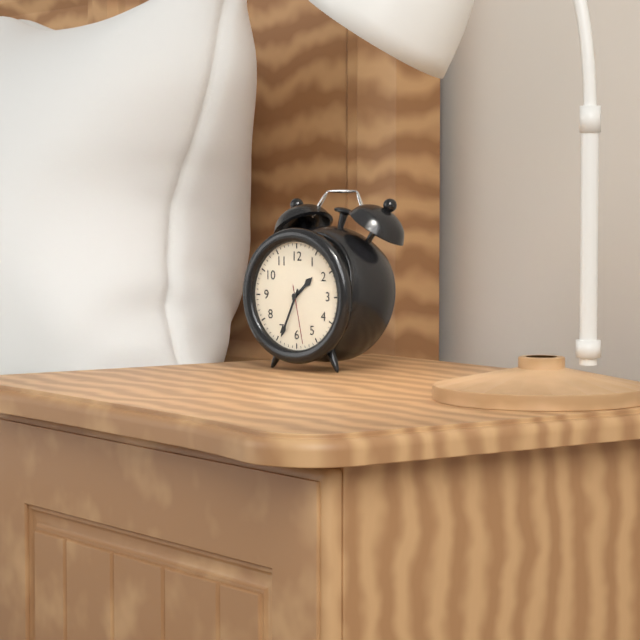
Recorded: h=1 m=34 s=28
